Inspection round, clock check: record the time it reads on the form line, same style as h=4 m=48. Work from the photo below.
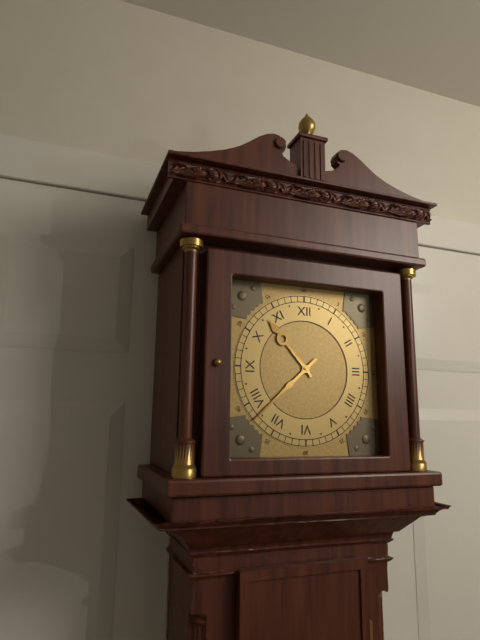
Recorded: h=10 m=38
